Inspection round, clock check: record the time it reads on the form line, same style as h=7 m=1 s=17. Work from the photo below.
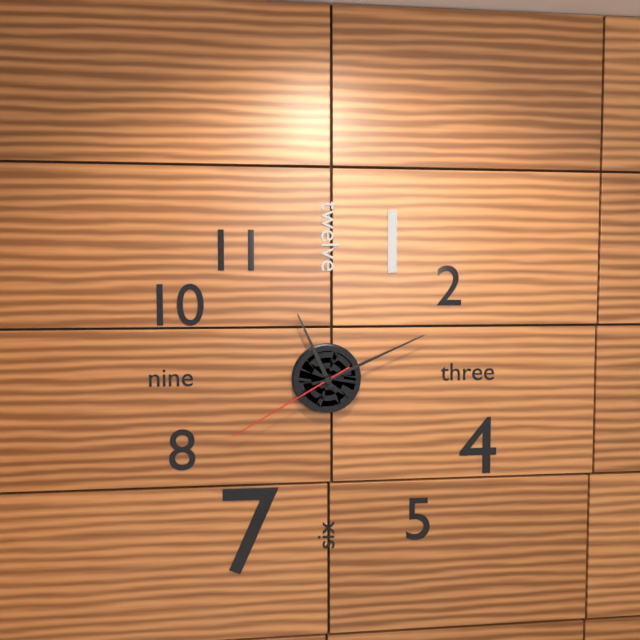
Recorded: h=11 m=11 s=40
